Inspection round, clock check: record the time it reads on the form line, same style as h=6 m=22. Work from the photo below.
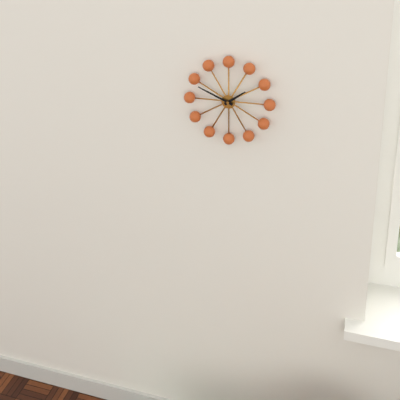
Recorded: h=1 m=49
